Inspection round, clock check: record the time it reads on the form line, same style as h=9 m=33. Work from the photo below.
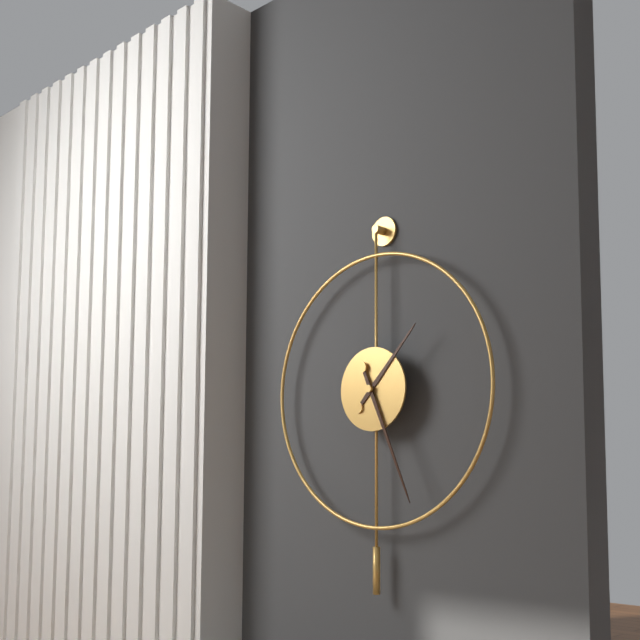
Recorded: h=1 m=26
